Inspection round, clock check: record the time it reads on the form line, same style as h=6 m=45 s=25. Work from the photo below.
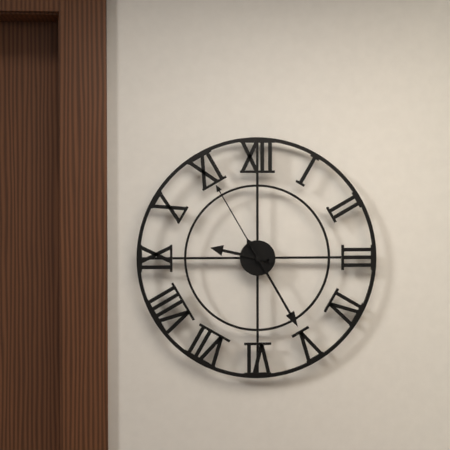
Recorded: h=9 m=25 s=55
